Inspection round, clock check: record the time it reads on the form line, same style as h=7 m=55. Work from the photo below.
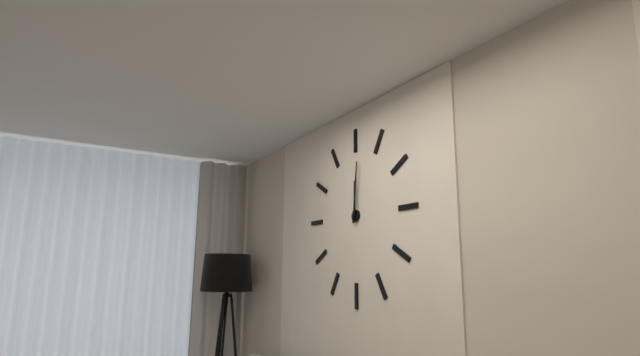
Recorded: h=12 m=1
